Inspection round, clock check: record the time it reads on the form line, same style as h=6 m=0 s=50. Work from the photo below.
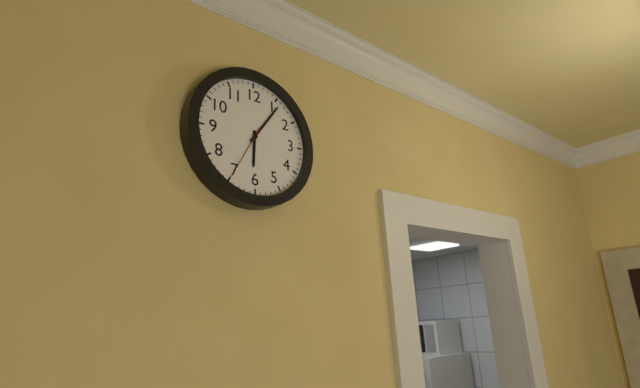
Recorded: h=6 m=6 s=35
